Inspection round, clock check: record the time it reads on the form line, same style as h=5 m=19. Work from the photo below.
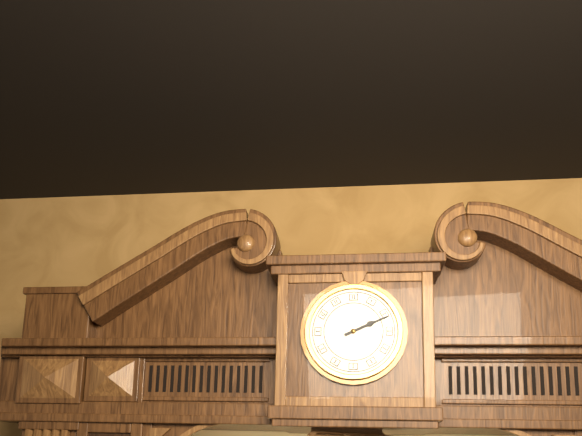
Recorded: h=2 m=11
